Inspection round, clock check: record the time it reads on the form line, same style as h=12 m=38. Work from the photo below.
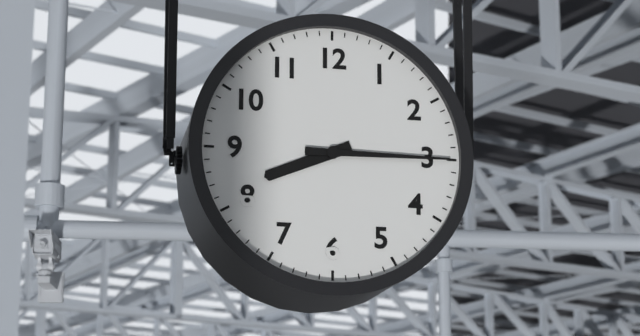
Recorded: h=8 m=15
